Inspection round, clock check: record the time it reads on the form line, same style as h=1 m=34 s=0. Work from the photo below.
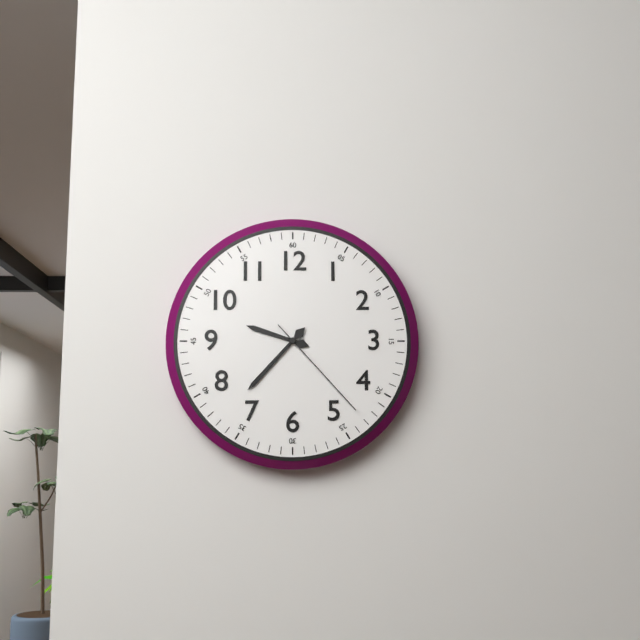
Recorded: h=9 m=37 s=23
